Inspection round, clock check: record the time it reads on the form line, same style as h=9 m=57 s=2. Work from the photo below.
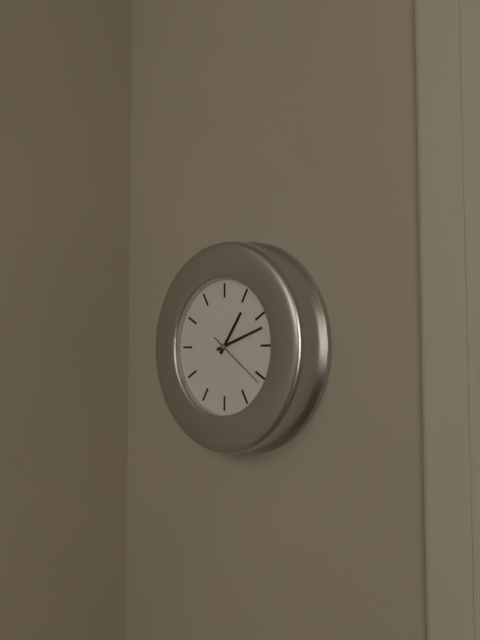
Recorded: h=1 m=12 s=21
